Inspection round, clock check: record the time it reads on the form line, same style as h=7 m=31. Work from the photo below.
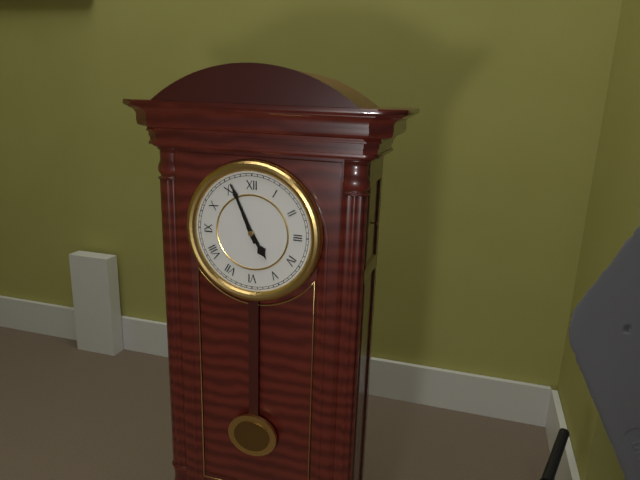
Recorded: h=4 m=56
